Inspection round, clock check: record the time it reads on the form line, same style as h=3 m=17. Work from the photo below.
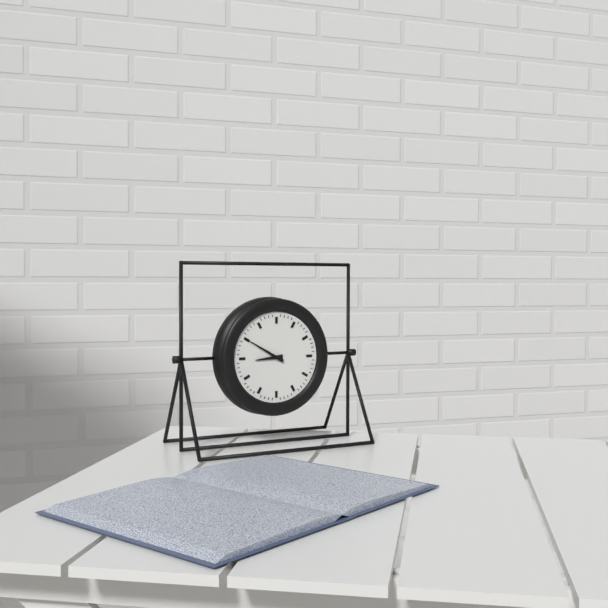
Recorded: h=8 m=50
